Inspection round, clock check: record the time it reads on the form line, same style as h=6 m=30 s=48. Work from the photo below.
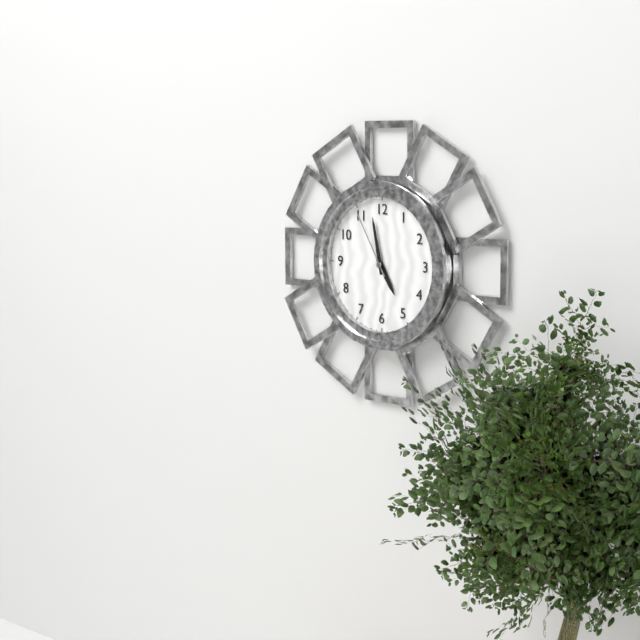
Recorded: h=4 m=58 s=55
